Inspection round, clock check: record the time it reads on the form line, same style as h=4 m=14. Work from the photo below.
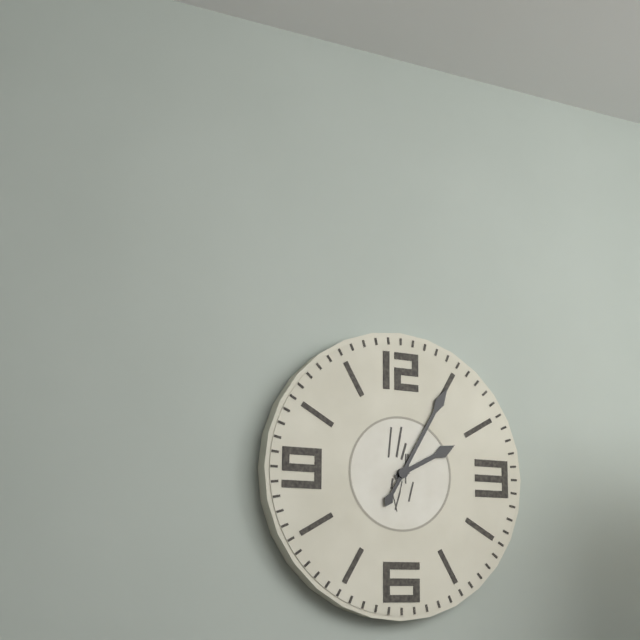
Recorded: h=2 m=5
